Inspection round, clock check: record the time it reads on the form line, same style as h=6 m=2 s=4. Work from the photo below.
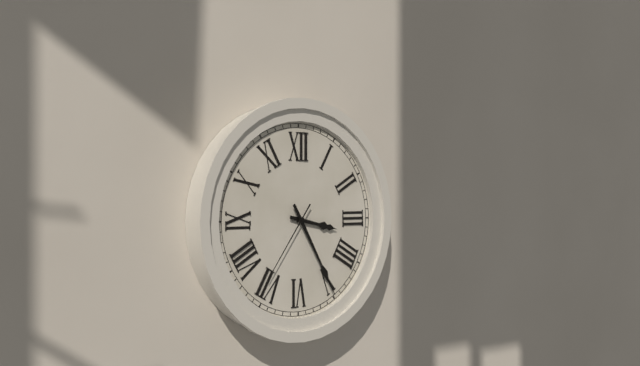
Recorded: h=3 m=25 s=36
